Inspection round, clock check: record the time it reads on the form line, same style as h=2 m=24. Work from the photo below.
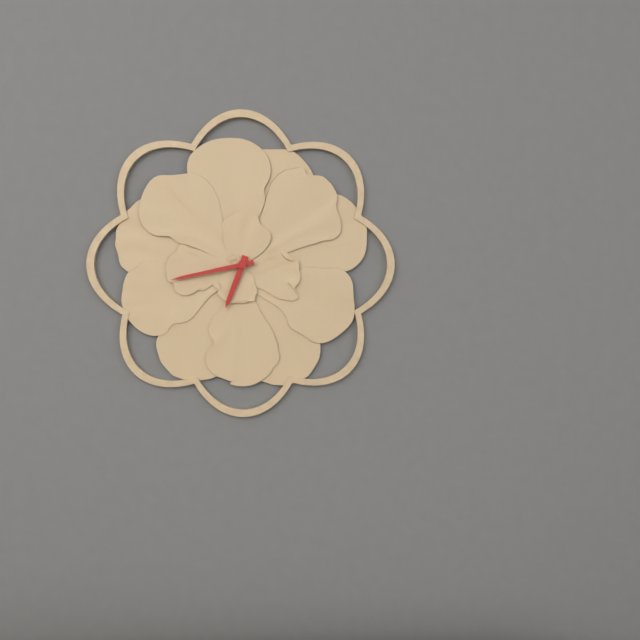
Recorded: h=6 m=43
